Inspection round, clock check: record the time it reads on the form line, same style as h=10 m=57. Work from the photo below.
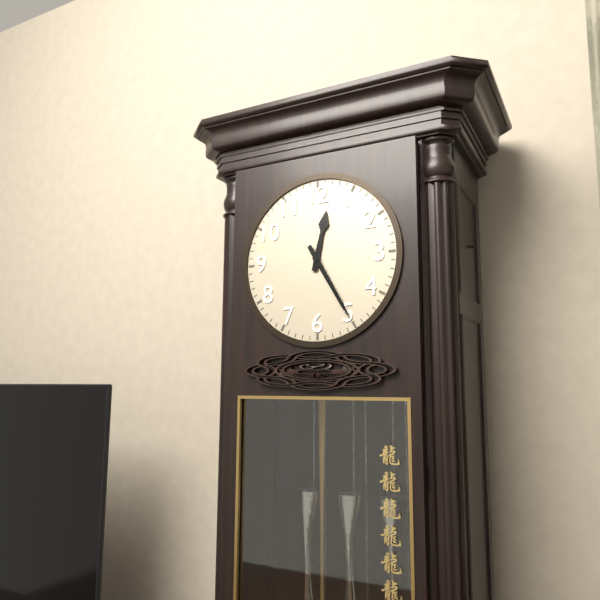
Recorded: h=12 m=25
